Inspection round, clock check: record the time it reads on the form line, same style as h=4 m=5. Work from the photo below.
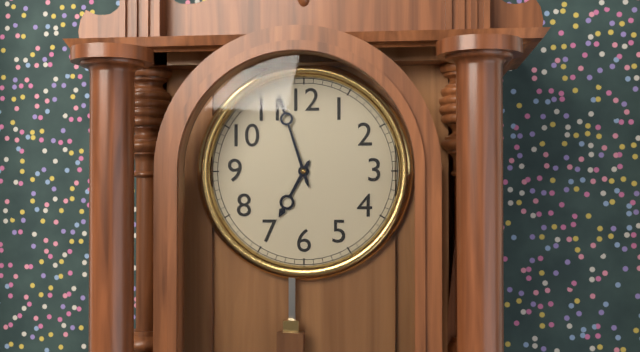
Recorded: h=6 m=57
